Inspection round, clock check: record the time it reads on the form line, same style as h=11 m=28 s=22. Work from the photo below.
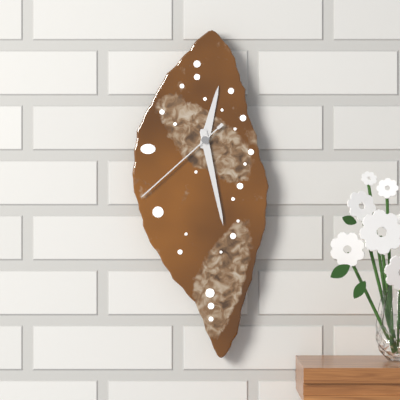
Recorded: h=12 m=28 s=38
